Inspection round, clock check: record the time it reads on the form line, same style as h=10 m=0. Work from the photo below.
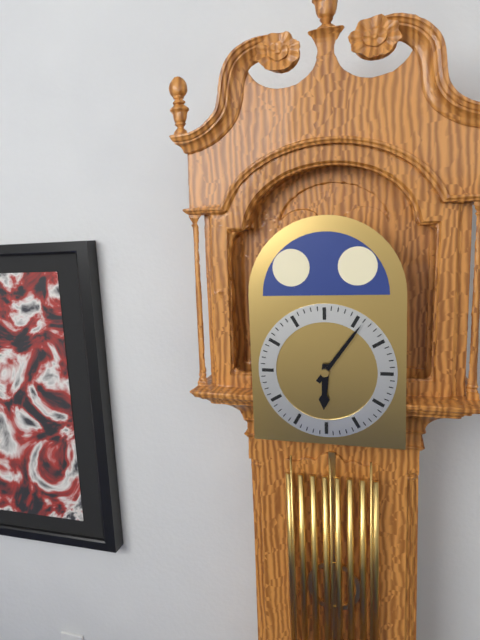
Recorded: h=6 m=6
